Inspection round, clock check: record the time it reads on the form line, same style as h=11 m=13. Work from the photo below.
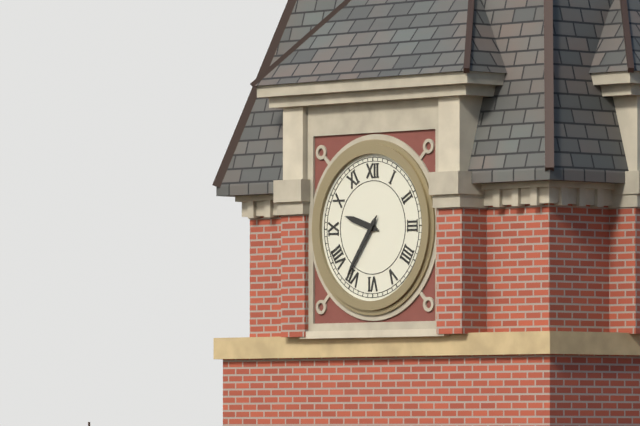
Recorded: h=9 m=36
